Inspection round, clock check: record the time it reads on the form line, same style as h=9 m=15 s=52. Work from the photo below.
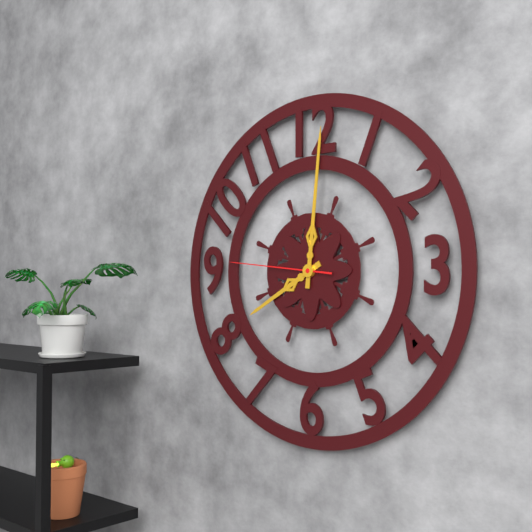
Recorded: h=8 m=1 s=46
